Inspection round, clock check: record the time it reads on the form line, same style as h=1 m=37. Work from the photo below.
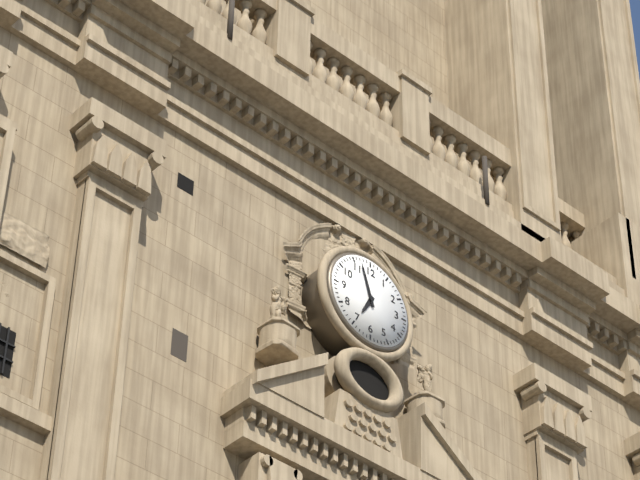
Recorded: h=6 m=57
